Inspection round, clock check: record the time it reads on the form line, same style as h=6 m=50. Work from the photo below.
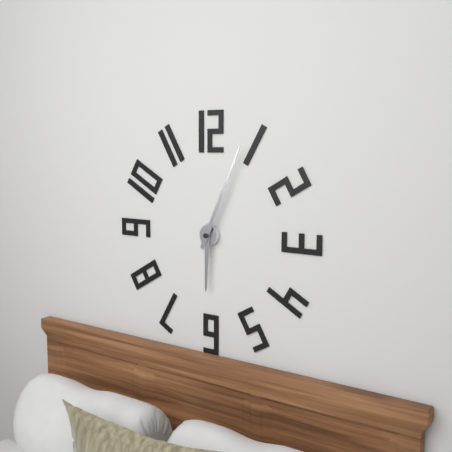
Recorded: h=6 m=4
